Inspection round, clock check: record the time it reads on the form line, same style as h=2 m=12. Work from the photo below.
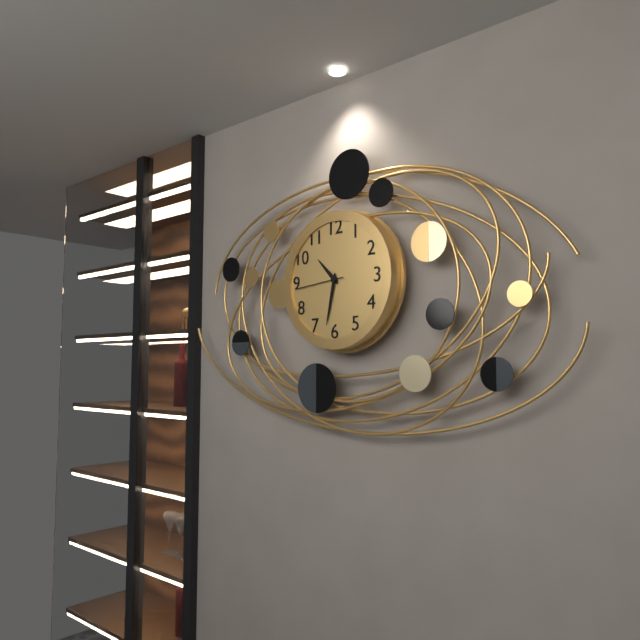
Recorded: h=10 m=32
